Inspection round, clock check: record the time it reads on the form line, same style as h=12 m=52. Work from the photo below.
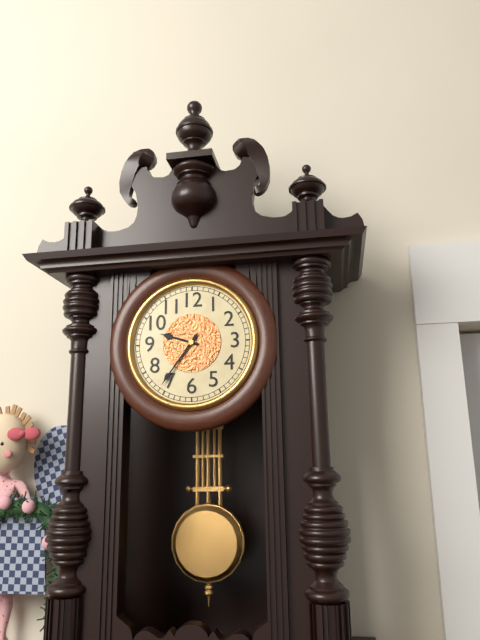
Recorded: h=9 m=36
